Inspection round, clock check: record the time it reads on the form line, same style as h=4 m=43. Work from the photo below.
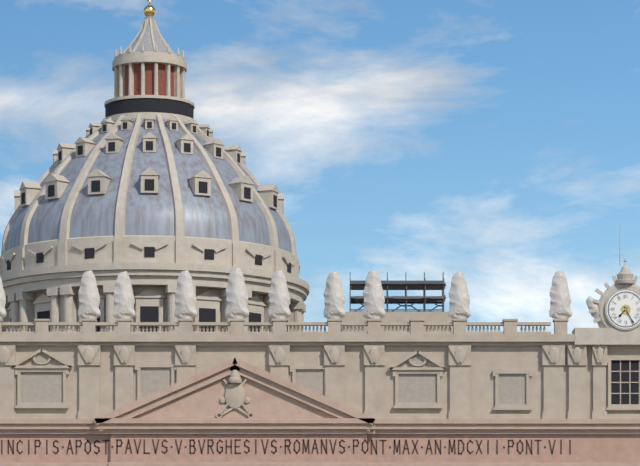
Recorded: h=7 m=25
